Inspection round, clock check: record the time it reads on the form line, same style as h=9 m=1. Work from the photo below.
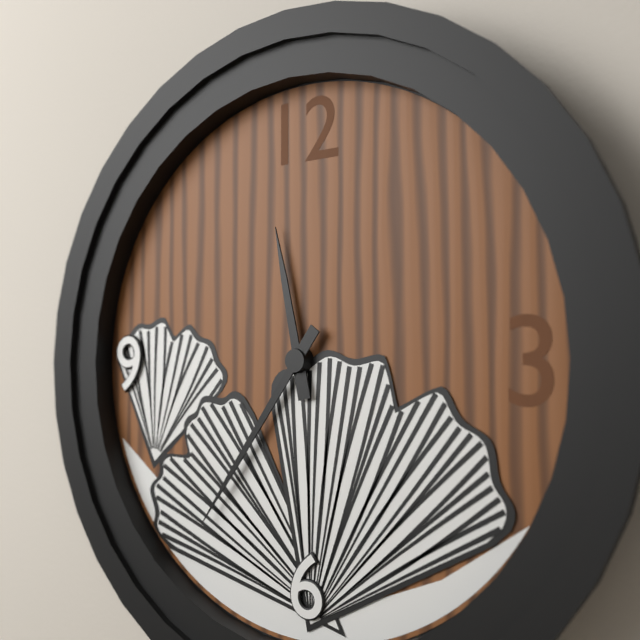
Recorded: h=11 m=36
